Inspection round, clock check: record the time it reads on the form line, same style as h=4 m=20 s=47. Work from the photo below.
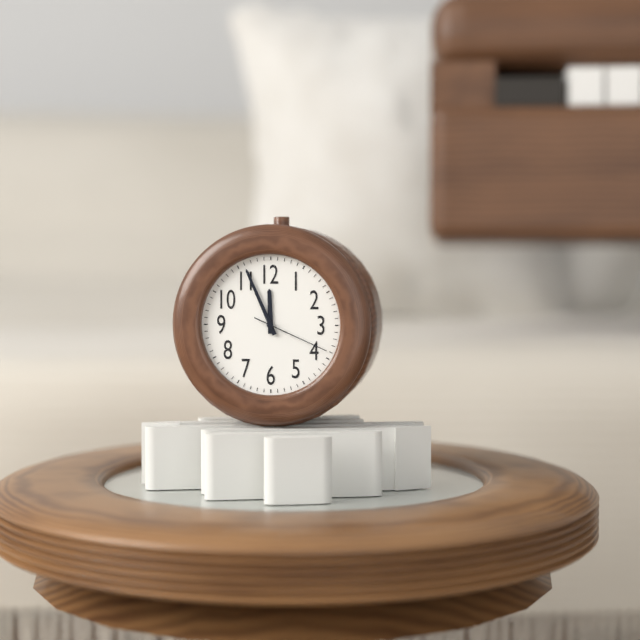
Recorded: h=11 m=56 s=19
